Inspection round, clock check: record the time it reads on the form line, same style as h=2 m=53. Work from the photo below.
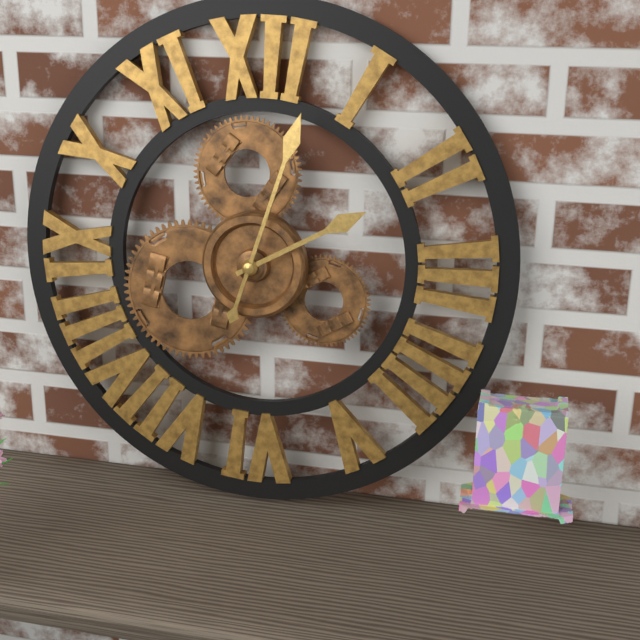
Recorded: h=2 m=3
